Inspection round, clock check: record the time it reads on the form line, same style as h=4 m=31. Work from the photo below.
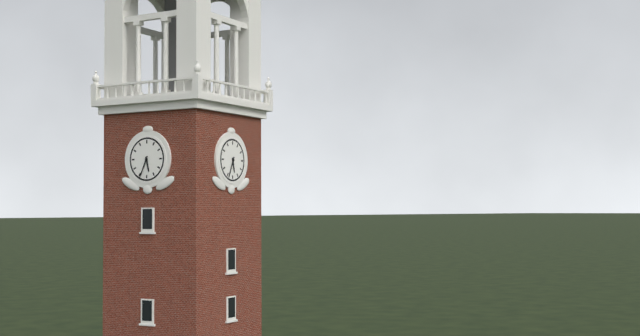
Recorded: h=5 m=34
